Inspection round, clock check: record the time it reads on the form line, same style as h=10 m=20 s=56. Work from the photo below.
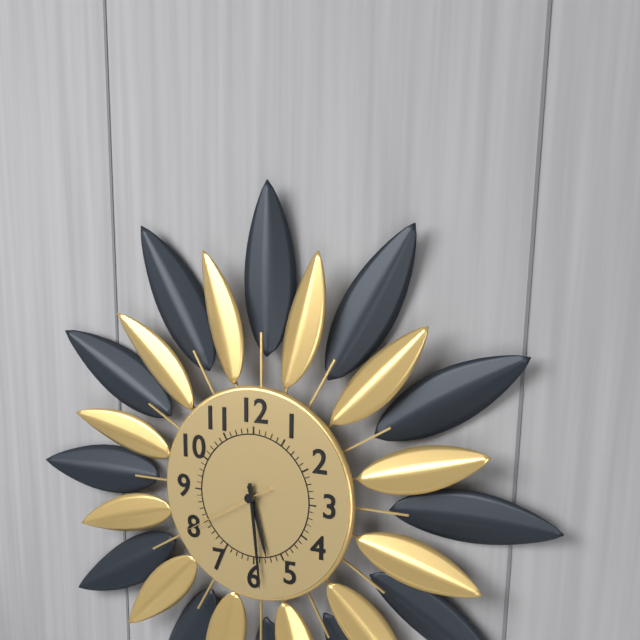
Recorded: h=5 m=29 s=40
